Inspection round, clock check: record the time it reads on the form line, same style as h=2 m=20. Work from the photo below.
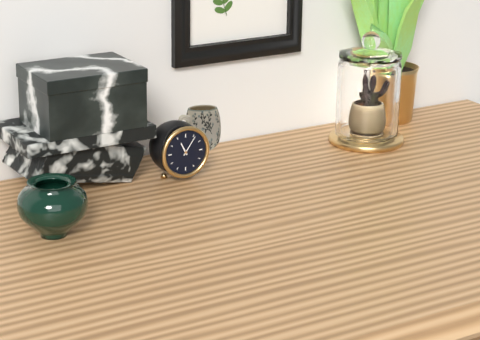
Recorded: h=11 m=6
